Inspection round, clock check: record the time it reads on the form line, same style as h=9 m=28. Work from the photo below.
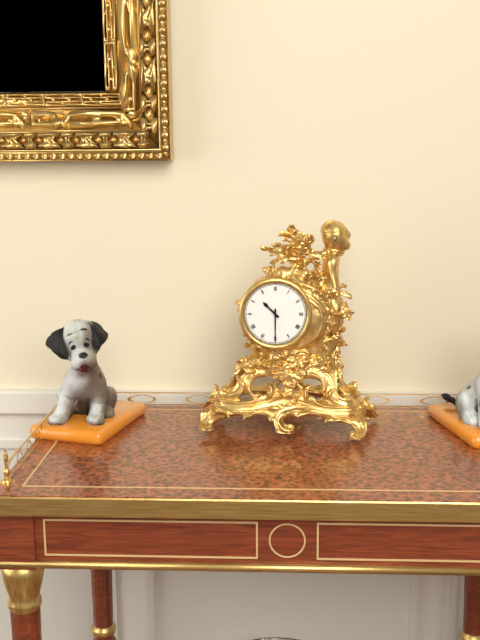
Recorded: h=10 m=30
